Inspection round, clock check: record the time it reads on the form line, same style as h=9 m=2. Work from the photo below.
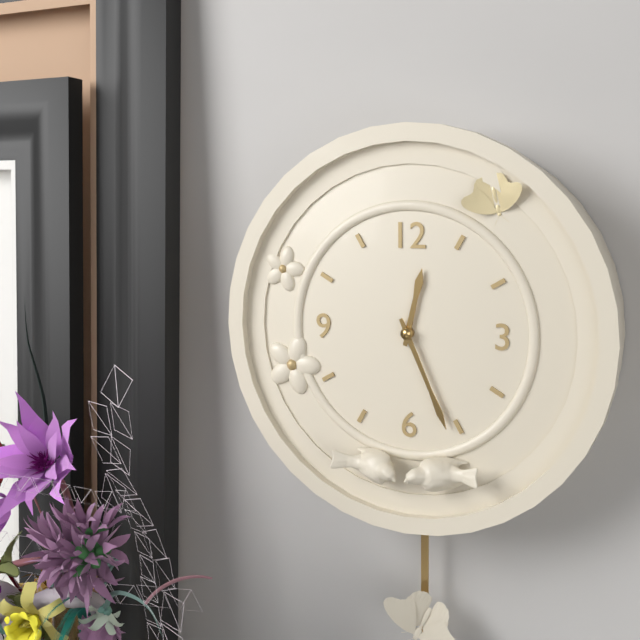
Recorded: h=12 m=26
